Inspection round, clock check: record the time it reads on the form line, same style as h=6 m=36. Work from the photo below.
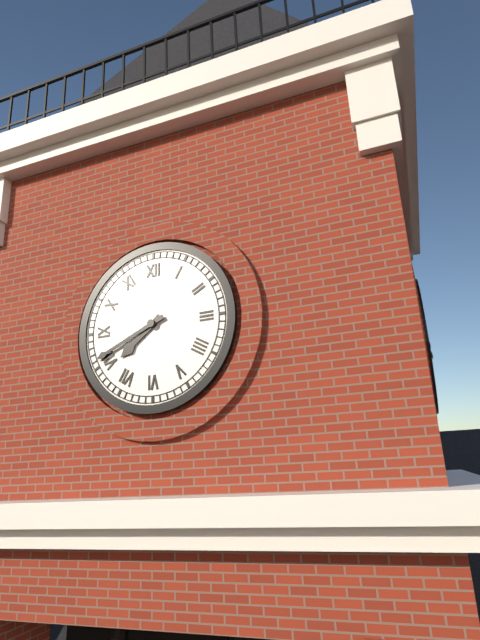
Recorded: h=7 m=41
